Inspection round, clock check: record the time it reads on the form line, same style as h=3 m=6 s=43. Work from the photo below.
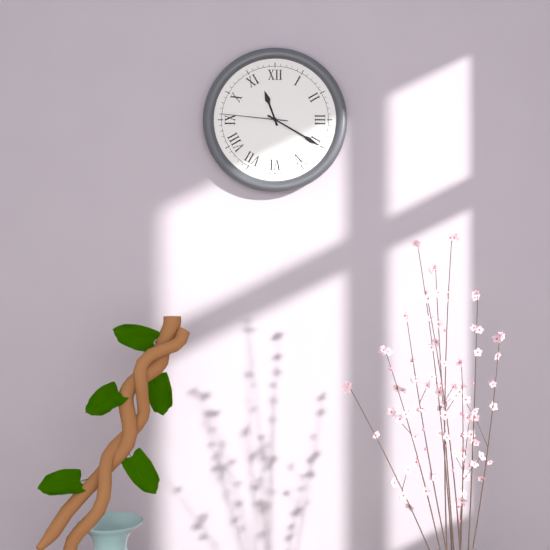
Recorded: h=11 m=20 s=46
